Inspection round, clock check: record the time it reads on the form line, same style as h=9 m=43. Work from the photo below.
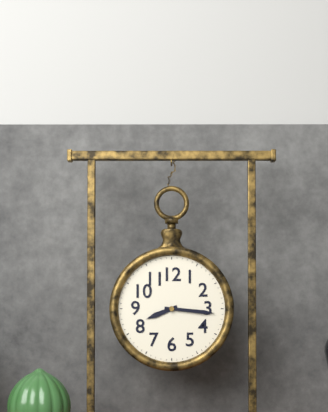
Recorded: h=8 m=16
